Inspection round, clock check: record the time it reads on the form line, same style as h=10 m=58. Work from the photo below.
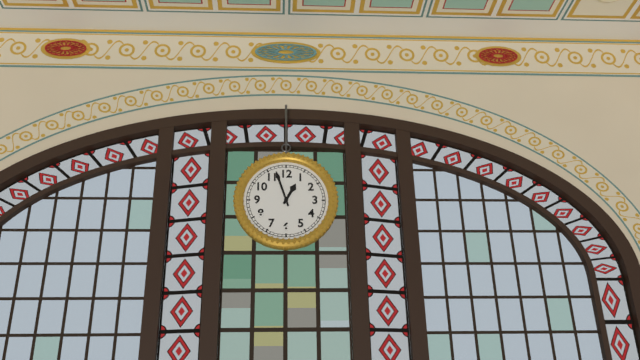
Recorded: h=12 m=57
